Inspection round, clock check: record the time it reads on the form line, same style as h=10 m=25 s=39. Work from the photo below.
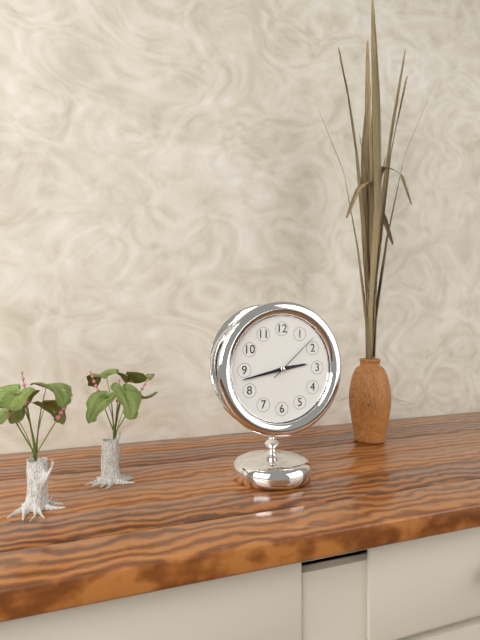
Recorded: h=2 m=43 s=8
